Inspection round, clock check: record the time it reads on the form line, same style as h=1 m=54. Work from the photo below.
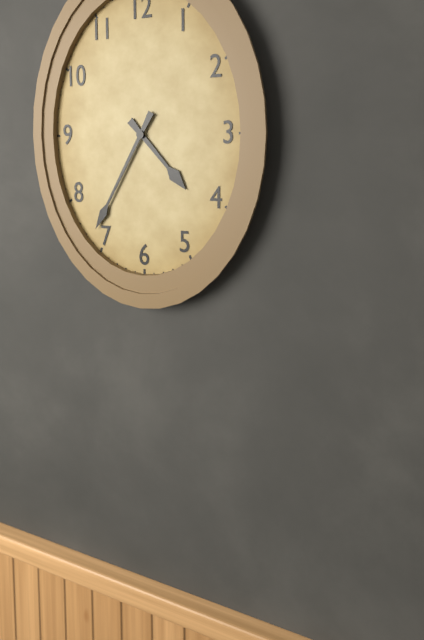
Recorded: h=4 m=35
